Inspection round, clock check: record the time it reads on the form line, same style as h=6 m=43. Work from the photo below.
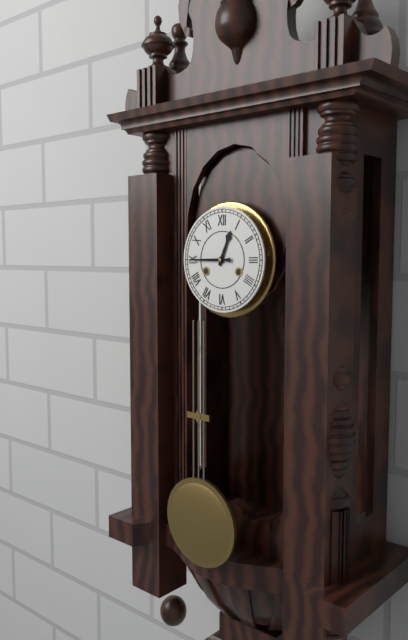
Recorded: h=12 m=45
